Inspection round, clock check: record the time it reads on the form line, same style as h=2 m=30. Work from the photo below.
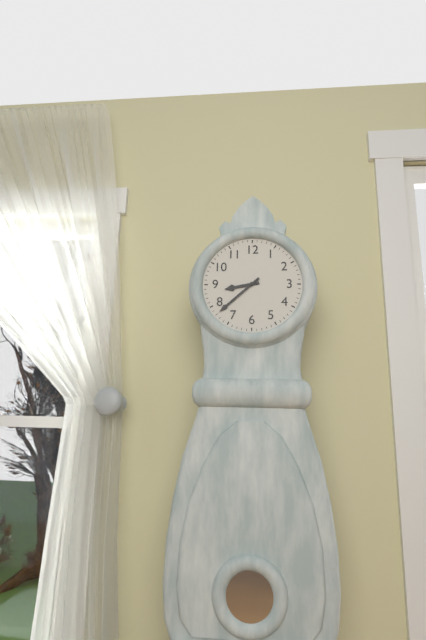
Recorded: h=8 m=38
